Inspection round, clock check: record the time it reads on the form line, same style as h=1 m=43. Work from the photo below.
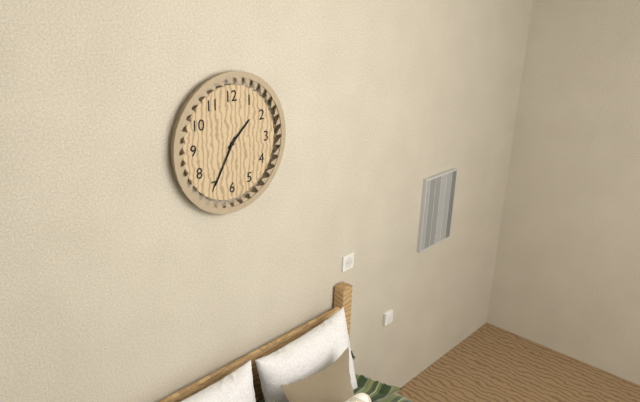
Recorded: h=1 m=35
